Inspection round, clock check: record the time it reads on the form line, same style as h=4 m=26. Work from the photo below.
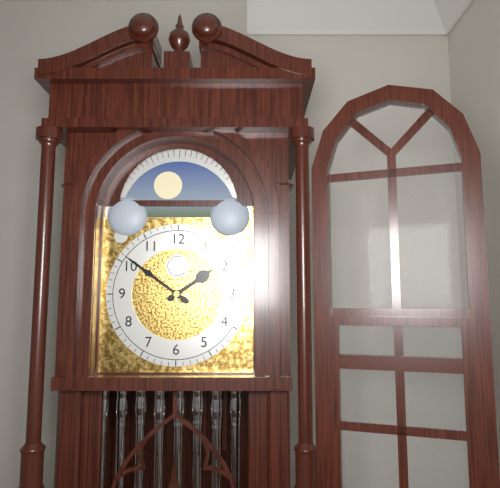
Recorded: h=1 m=51
